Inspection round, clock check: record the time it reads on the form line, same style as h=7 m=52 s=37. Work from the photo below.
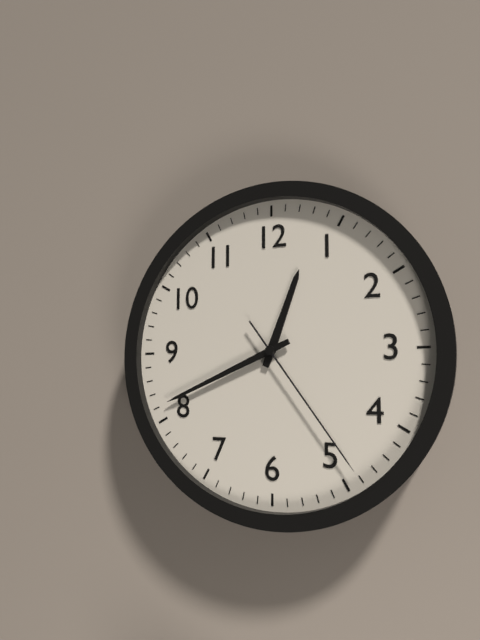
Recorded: h=12 m=41 s=24
